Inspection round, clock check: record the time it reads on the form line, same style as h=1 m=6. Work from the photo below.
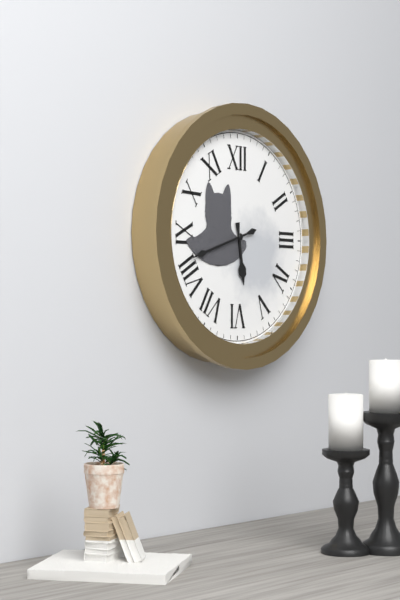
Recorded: h=5 m=42
